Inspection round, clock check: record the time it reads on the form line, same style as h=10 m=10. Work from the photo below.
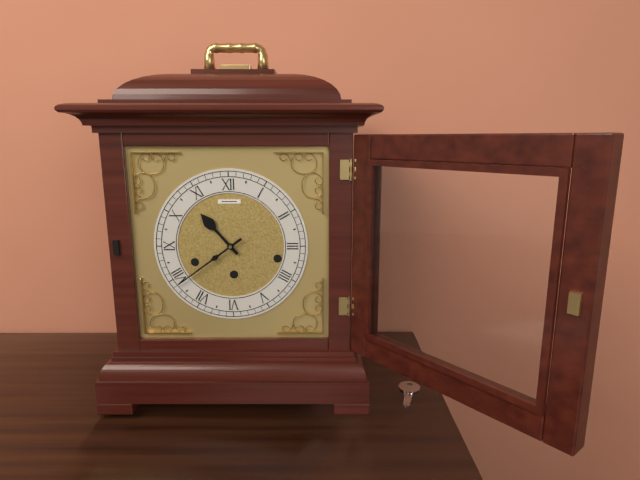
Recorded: h=10 m=39
